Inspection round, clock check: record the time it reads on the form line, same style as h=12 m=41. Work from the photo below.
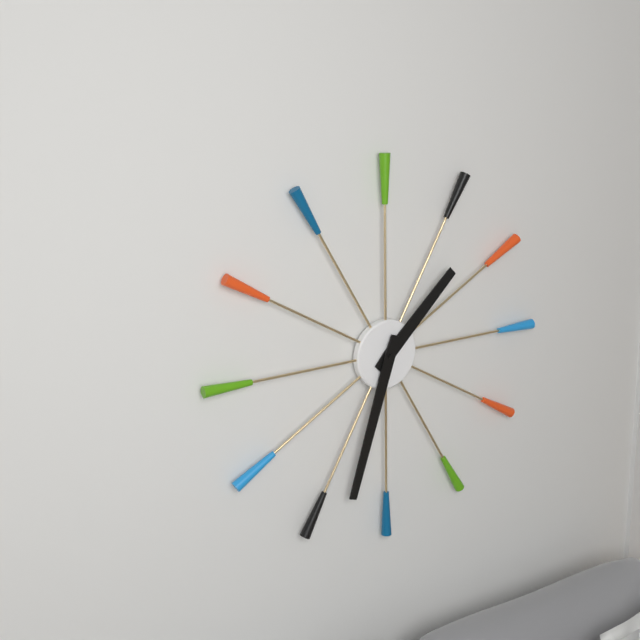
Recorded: h=1 m=33
